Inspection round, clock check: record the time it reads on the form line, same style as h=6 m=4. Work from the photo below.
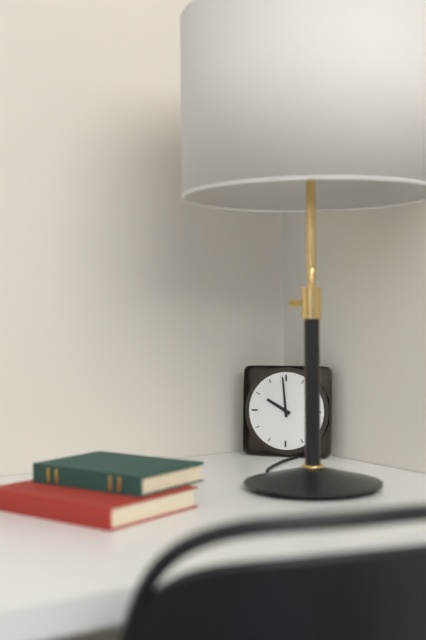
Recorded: h=9 m=59
